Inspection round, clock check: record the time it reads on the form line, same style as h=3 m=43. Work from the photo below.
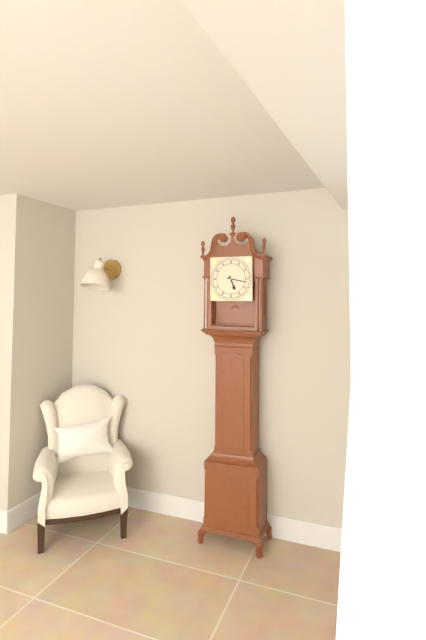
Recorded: h=5 m=17
